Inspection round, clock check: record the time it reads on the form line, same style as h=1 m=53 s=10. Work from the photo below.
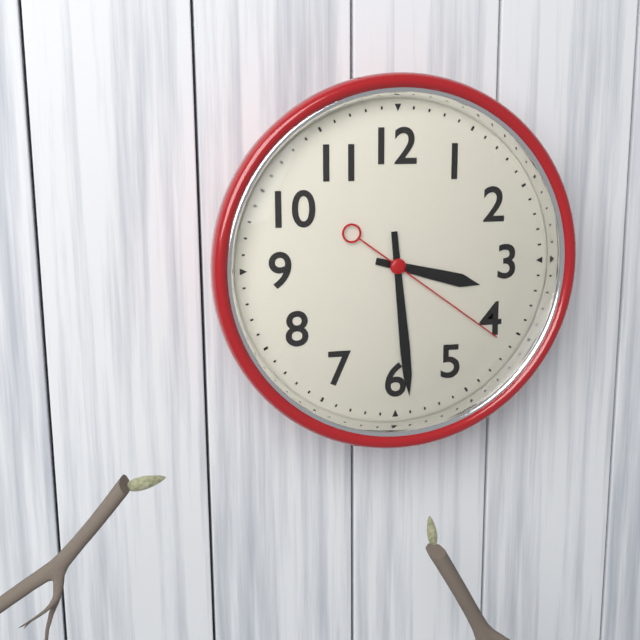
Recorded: h=3 m=29 s=21
